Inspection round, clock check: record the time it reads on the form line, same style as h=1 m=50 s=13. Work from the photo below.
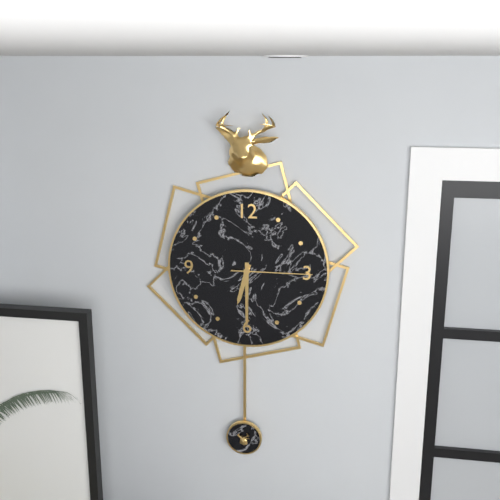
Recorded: h=6 m=30 s=15
